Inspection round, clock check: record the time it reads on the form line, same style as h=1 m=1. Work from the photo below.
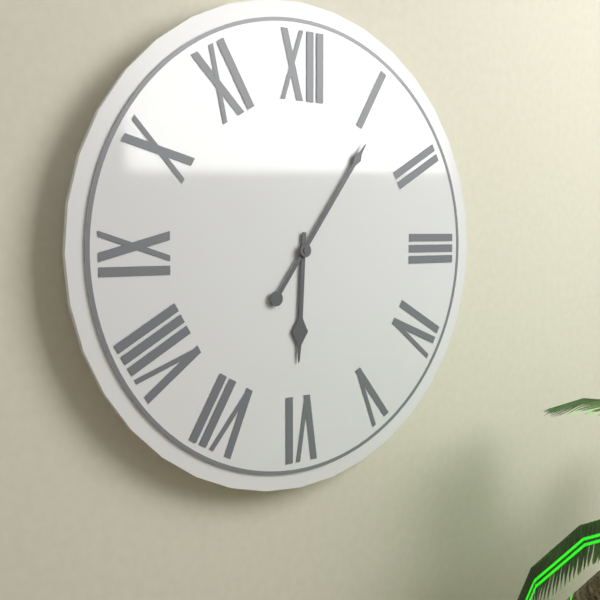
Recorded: h=6 m=6
